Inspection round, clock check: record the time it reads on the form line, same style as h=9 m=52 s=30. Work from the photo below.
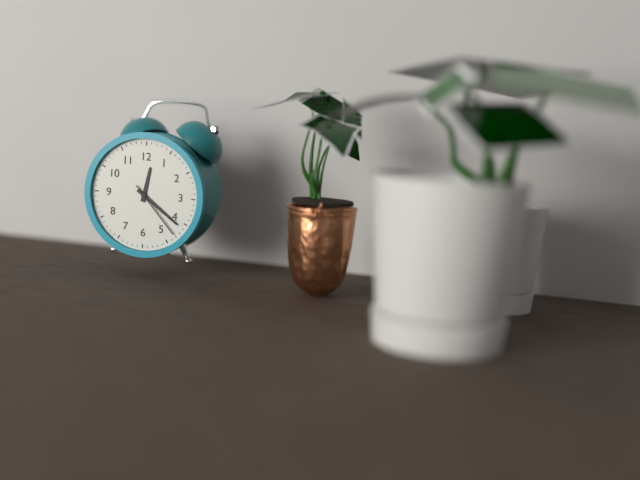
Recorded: h=12 m=21 s=23
